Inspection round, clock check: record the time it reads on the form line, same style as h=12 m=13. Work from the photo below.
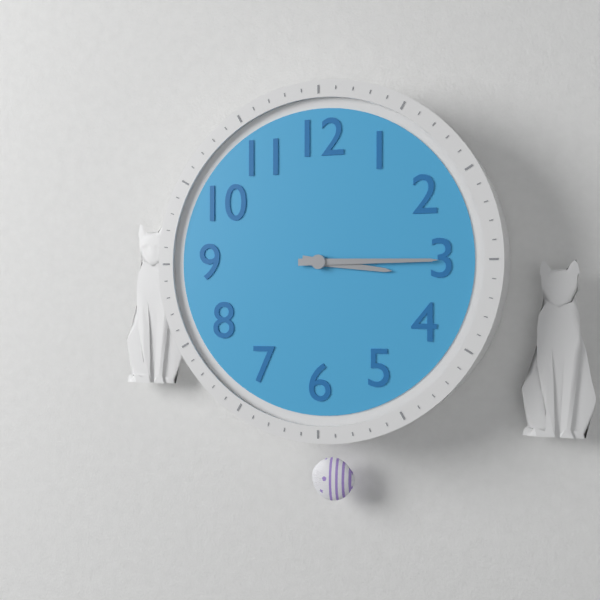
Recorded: h=3 m=15
